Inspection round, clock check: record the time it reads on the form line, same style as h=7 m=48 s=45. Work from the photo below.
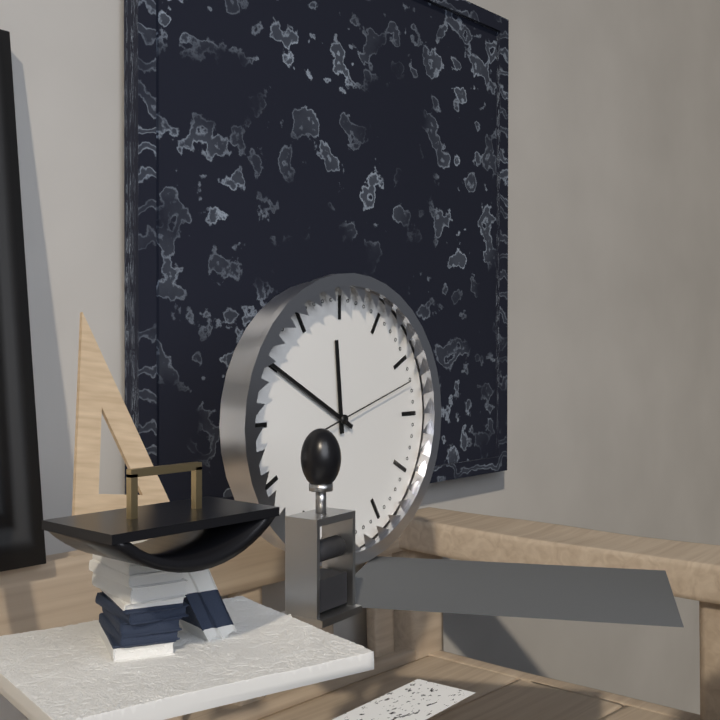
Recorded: h=11 m=50 s=12
